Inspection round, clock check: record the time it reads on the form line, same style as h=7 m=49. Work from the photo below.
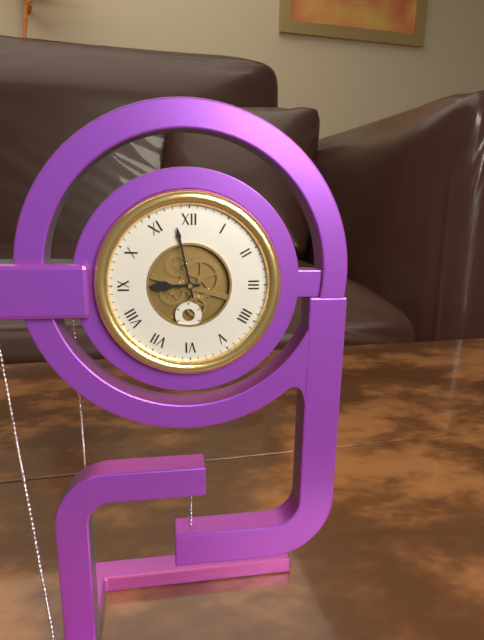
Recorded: h=8 m=58
